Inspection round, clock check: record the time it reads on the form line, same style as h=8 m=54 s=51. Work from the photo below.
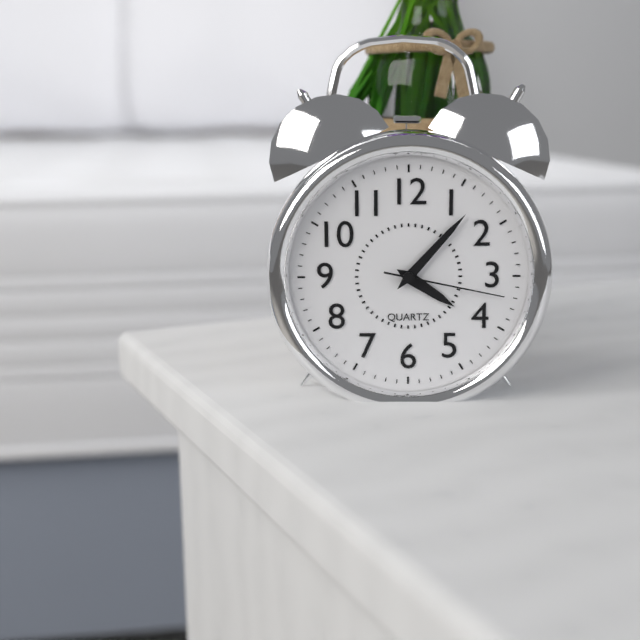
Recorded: h=4 m=7 s=17
